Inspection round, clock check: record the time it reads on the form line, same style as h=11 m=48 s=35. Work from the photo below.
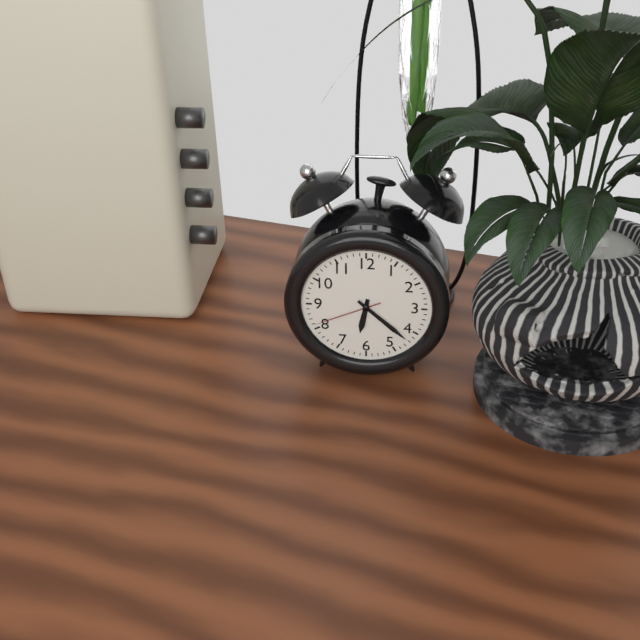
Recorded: h=6 m=22 s=41
